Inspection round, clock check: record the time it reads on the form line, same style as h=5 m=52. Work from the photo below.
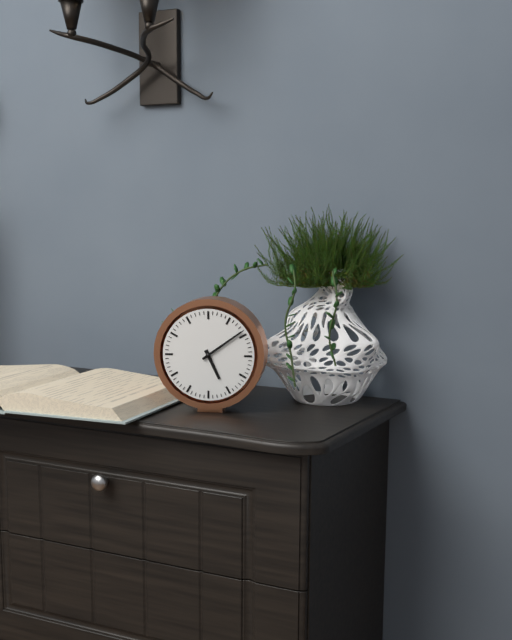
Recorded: h=5 m=9
